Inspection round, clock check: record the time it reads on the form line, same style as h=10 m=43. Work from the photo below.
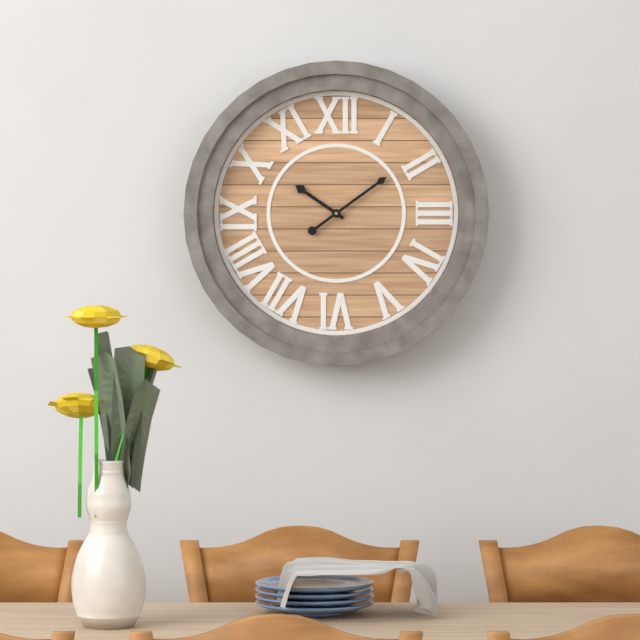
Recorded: h=10 m=9
